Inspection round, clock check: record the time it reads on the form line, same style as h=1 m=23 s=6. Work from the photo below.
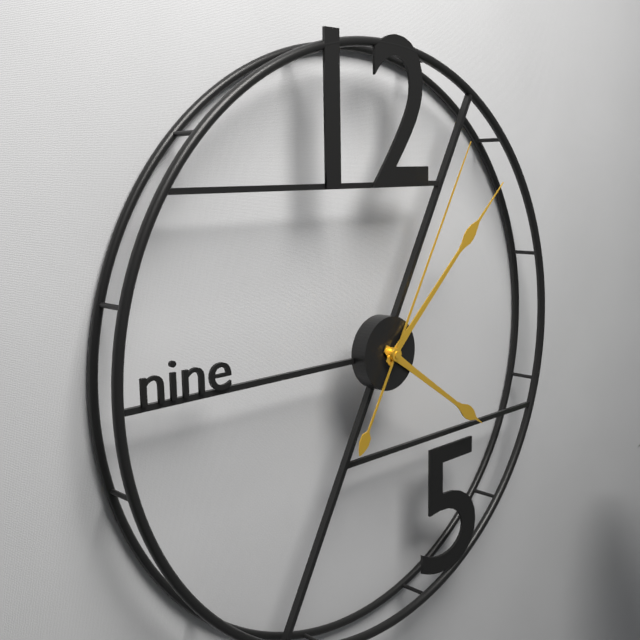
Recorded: h=4 m=8 s=5
